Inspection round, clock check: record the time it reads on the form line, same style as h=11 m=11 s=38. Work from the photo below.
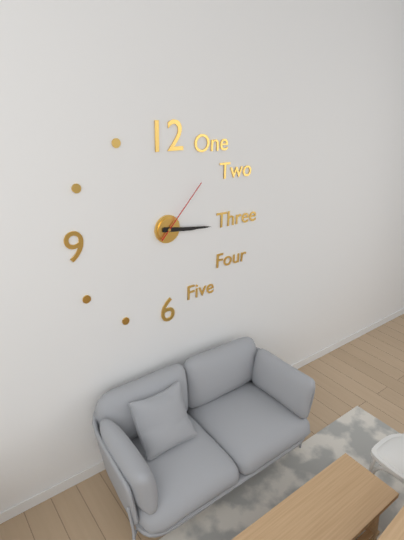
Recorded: h=3 m=16 s=7
